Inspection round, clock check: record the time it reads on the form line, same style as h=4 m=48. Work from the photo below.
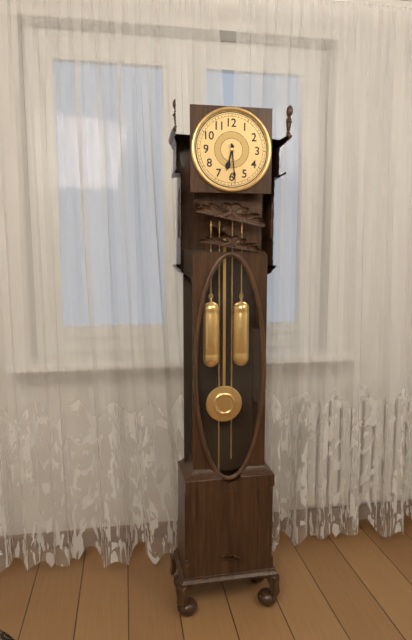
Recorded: h=6 m=29
